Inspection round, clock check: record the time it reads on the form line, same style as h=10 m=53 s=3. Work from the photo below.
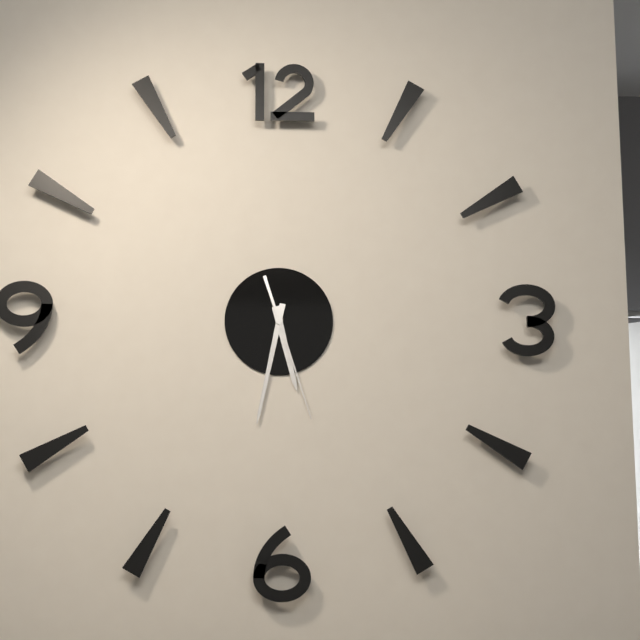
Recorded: h=5 m=32 s=27
